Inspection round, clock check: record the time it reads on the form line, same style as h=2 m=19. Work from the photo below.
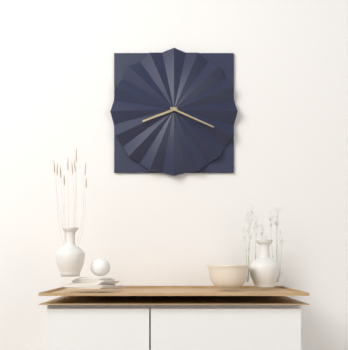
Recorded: h=8 m=19
